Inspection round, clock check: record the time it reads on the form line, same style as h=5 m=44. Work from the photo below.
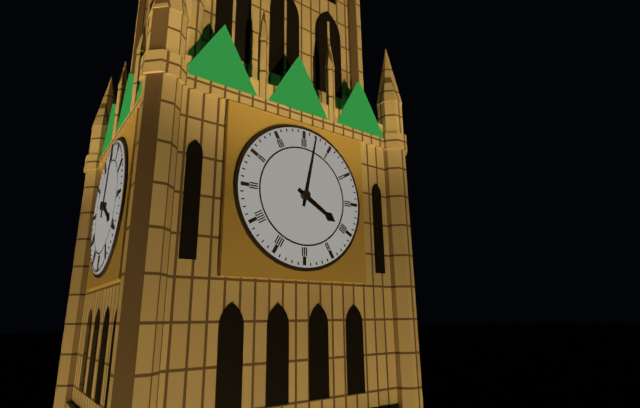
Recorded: h=4 m=2
